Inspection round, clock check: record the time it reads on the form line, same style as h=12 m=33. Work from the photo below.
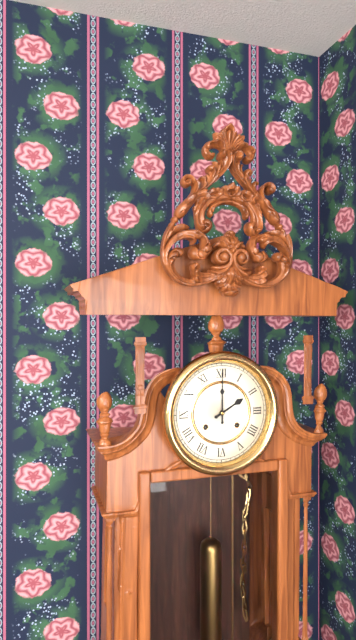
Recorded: h=2 m=0
